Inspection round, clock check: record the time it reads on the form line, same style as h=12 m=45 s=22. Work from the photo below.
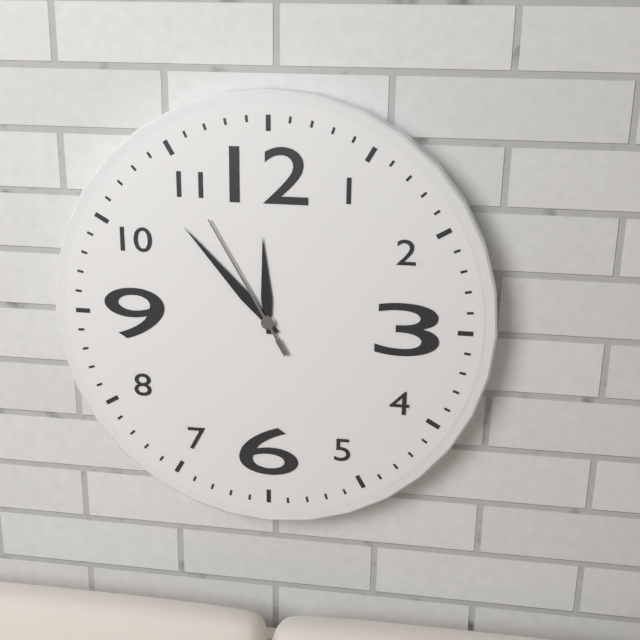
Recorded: h=11 m=53 s=55
